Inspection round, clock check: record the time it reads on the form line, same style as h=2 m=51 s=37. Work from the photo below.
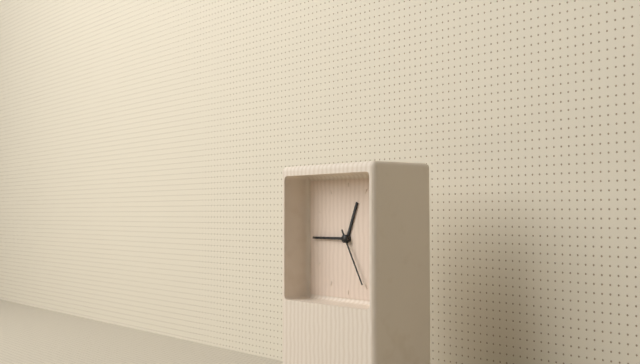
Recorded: h=12 m=45 s=25
